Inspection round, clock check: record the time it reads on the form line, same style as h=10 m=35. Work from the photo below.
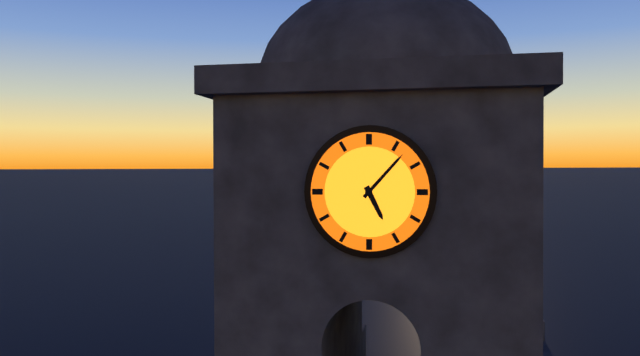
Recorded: h=5 m=7
